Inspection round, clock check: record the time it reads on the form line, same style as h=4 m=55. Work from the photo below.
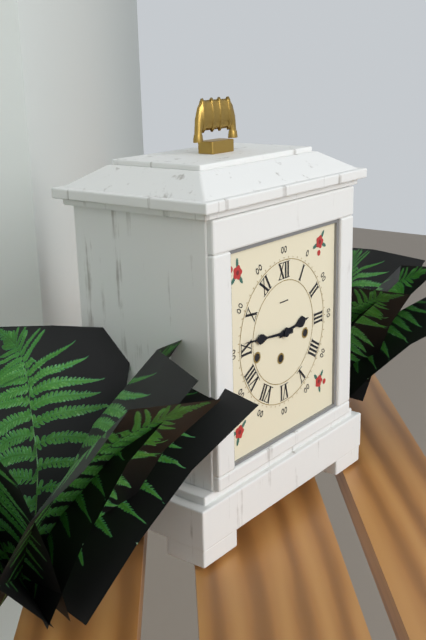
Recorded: h=2 m=46
